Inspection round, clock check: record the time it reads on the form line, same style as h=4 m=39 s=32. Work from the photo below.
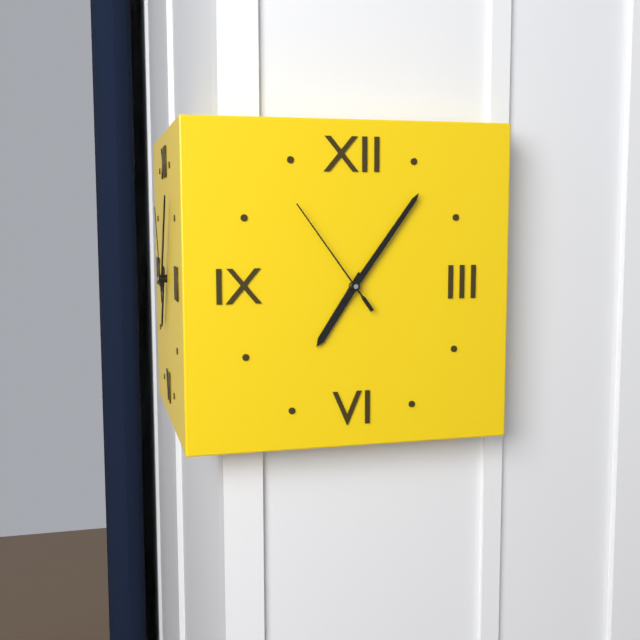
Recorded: h=7 m=6 s=54
